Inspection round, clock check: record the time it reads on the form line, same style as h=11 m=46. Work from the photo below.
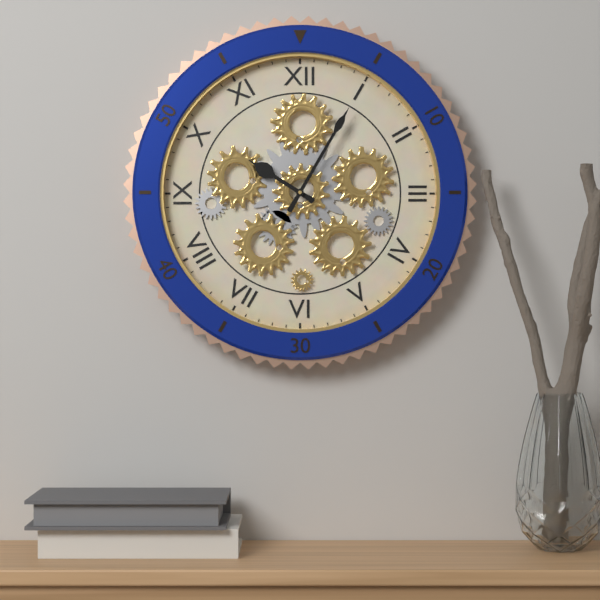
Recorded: h=10 m=5
